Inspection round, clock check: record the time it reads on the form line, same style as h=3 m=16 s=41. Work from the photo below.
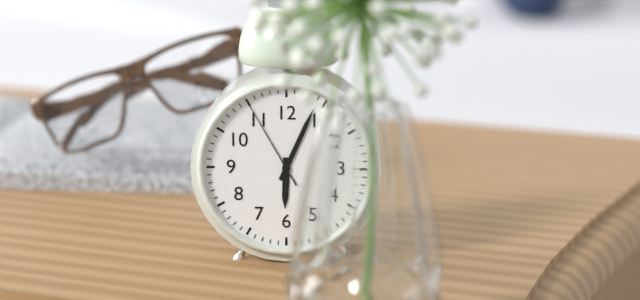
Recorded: h=6 m=4 s=55
